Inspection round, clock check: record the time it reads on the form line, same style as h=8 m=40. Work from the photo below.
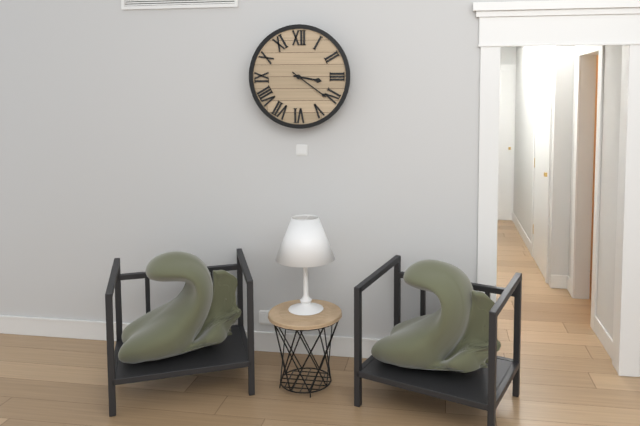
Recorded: h=3 m=21
